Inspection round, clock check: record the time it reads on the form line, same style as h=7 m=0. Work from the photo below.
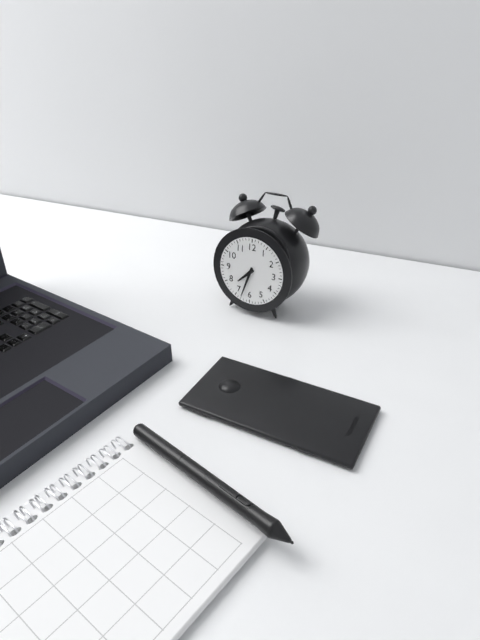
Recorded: h=7 m=33
